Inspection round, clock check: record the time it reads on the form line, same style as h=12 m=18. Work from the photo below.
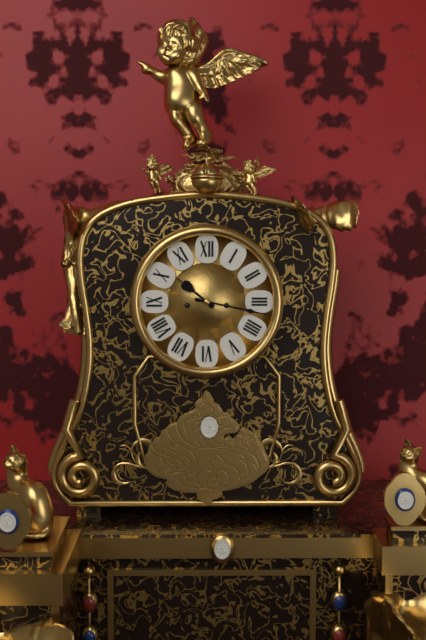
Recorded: h=10 m=17
